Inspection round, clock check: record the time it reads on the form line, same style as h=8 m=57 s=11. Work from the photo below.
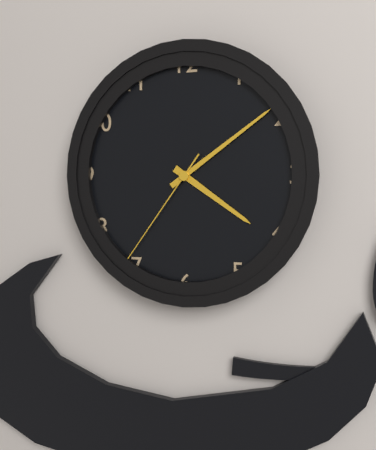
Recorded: h=4 m=9 s=36
